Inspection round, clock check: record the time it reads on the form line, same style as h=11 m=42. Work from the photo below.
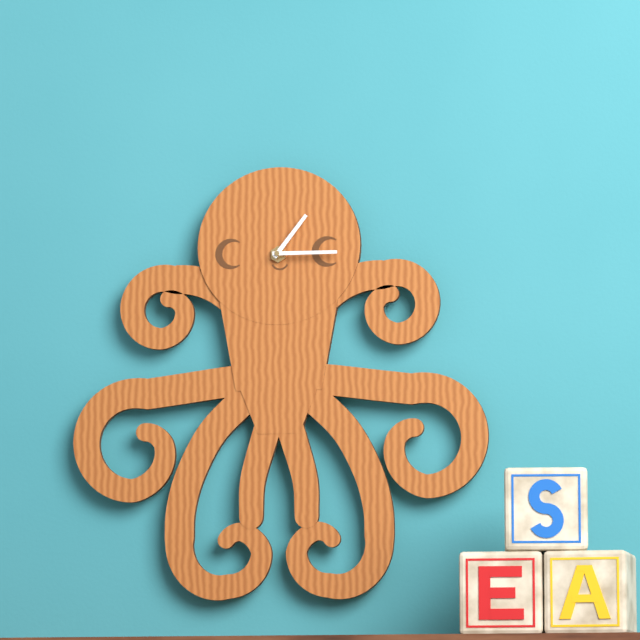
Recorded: h=1 m=15
